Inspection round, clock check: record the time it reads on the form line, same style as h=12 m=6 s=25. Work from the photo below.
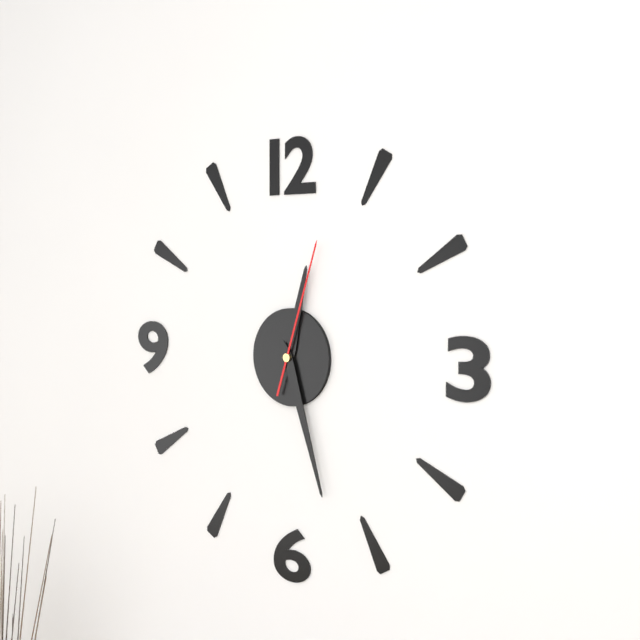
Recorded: h=12 m=27 s=3
